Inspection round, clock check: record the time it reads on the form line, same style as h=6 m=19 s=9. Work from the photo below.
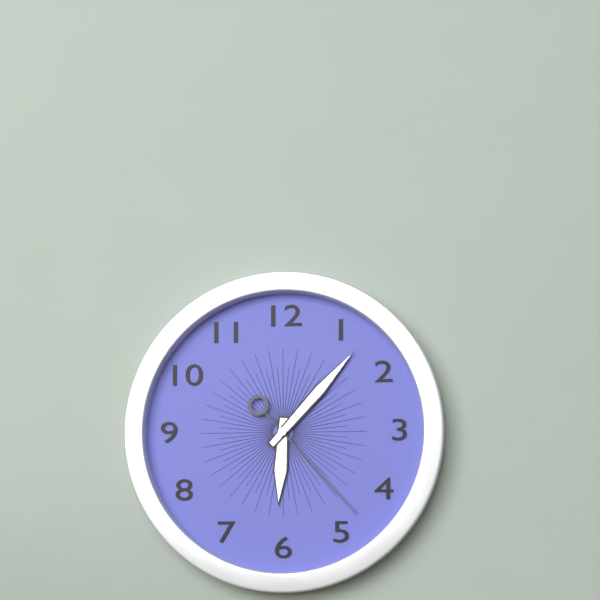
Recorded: h=6 m=7 s=23
